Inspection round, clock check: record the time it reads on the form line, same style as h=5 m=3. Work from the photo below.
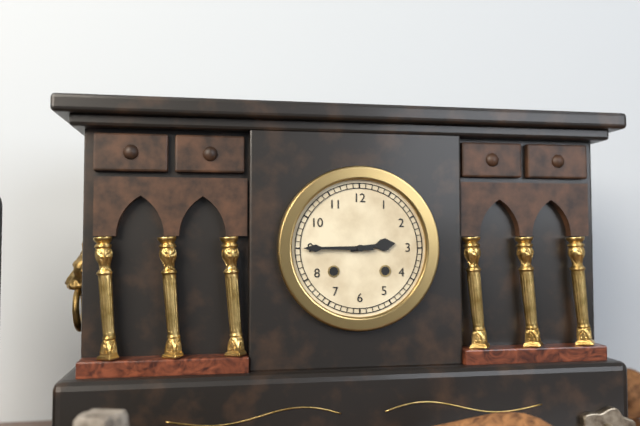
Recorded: h=2 m=45
